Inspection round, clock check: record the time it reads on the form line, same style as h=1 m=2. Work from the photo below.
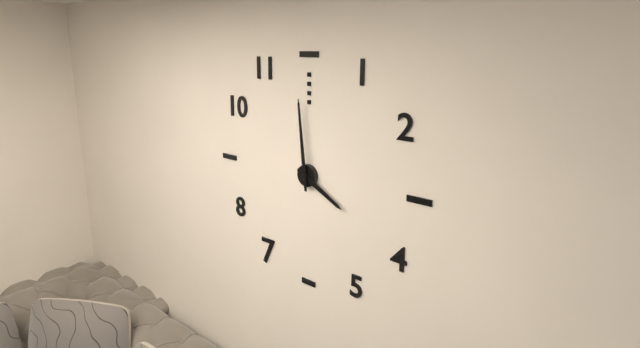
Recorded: h=3 m=59
